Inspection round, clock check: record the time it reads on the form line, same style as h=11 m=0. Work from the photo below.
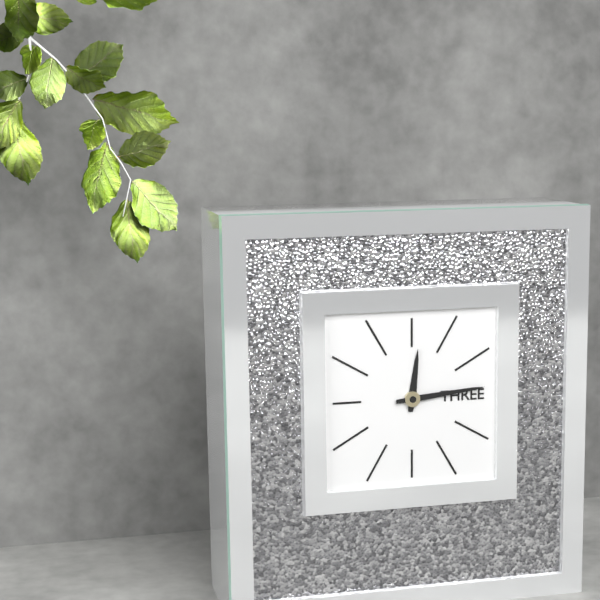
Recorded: h=12 m=14
